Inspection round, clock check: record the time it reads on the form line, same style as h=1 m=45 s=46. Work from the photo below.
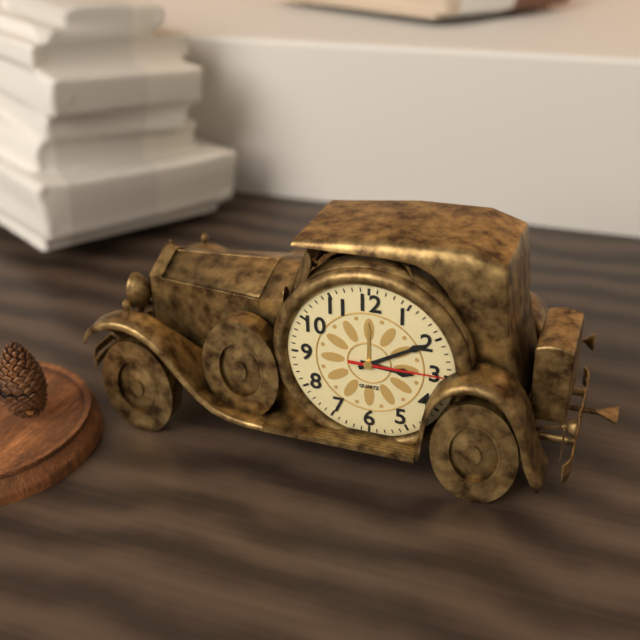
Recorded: h=3 m=10 s=15
